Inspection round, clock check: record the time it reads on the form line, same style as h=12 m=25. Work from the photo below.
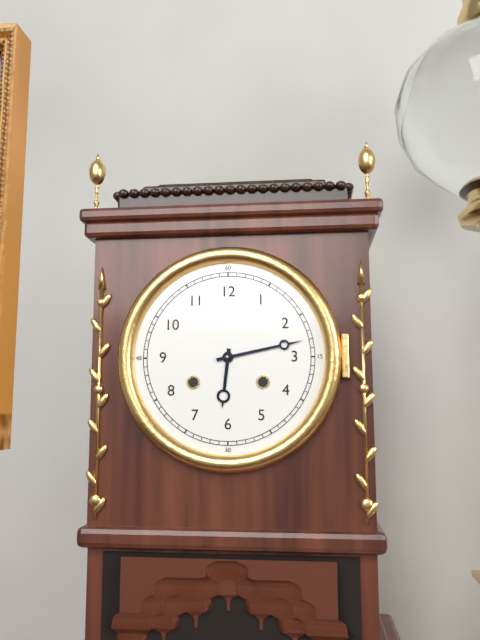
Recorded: h=6 m=13
